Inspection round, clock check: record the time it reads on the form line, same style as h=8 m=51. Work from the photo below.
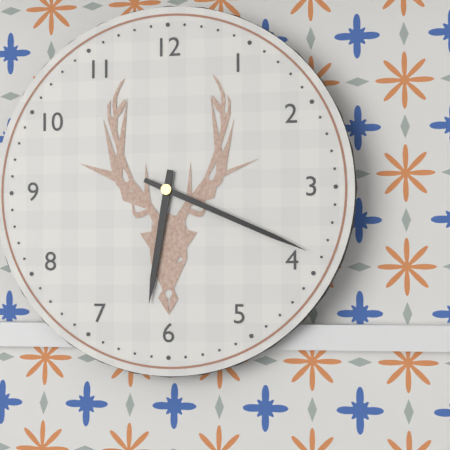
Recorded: h=6 m=19
